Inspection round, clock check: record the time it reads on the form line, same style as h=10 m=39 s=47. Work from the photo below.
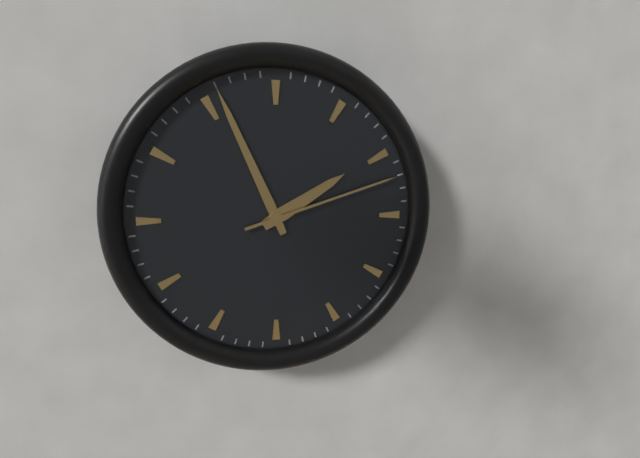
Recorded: h=1 m=56 s=12
